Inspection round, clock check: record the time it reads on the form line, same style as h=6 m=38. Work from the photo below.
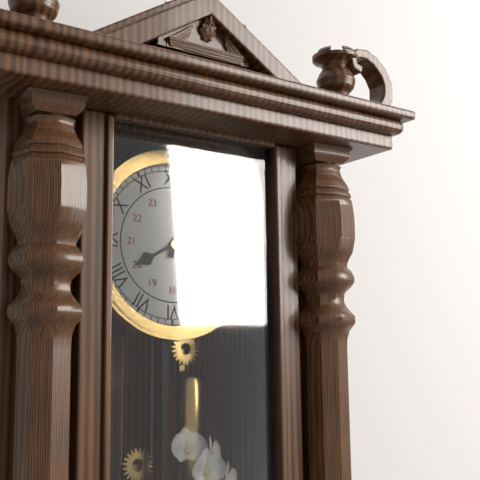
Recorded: h=8 m=2
